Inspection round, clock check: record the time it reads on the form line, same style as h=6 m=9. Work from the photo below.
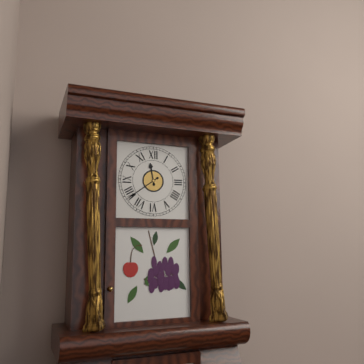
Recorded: h=11 m=39
